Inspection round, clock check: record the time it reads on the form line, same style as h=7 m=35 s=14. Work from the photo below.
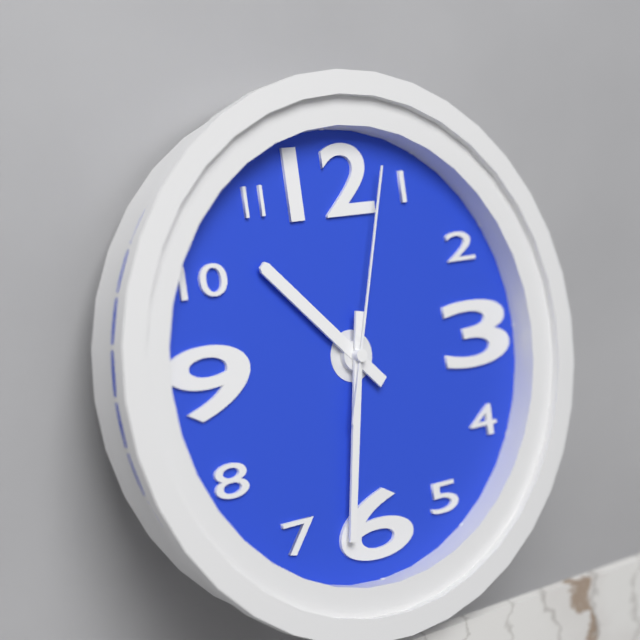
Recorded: h=10 m=32 s=3
